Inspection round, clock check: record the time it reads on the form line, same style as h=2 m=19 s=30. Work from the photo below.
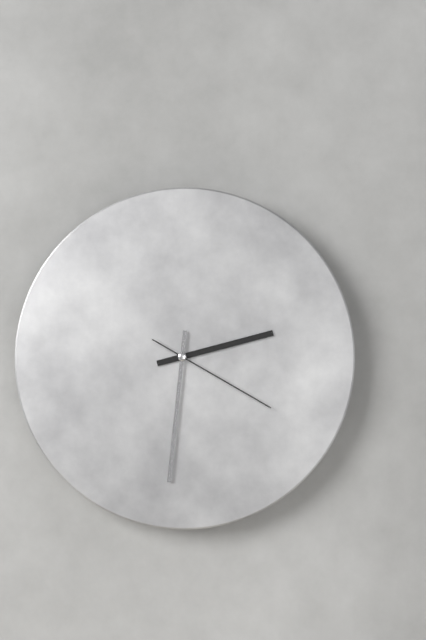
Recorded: h=2 m=31 s=20
